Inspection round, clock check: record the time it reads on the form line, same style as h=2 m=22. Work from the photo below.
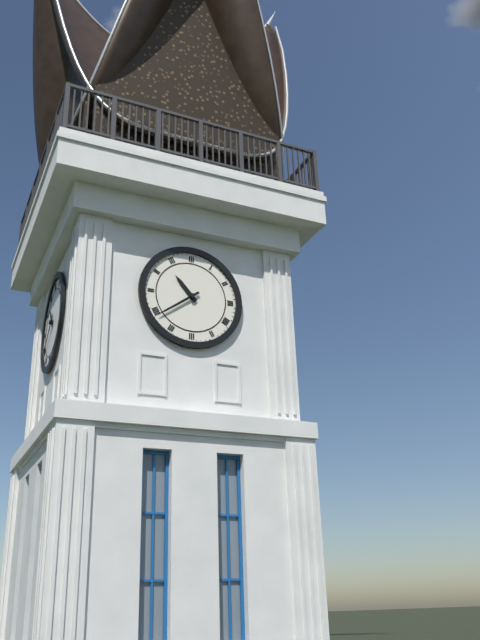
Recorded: h=10 m=39
